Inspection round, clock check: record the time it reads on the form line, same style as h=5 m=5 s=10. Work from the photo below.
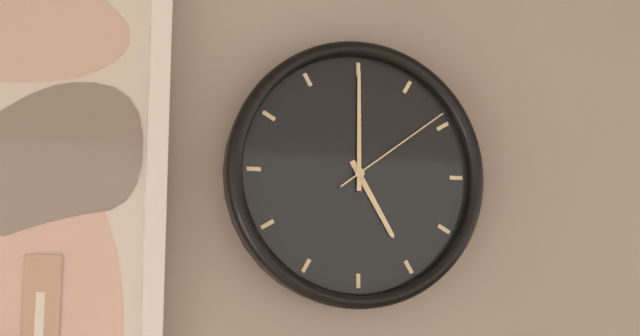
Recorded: h=5 m=0 s=9
